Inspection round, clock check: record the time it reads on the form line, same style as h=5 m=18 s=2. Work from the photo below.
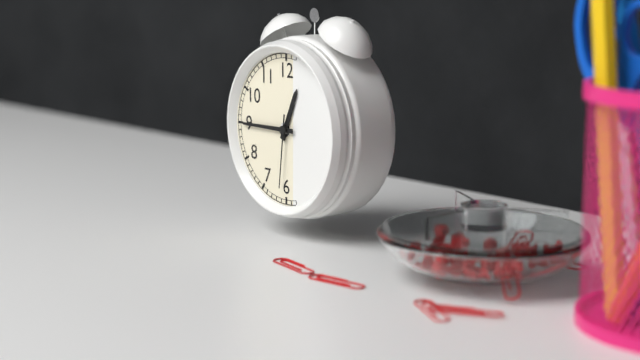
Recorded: h=12 m=45 s=31
